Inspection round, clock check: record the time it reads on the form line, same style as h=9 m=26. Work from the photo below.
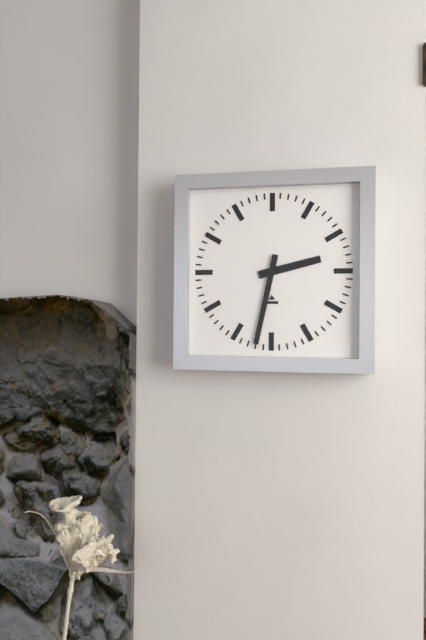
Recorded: h=2 m=32
